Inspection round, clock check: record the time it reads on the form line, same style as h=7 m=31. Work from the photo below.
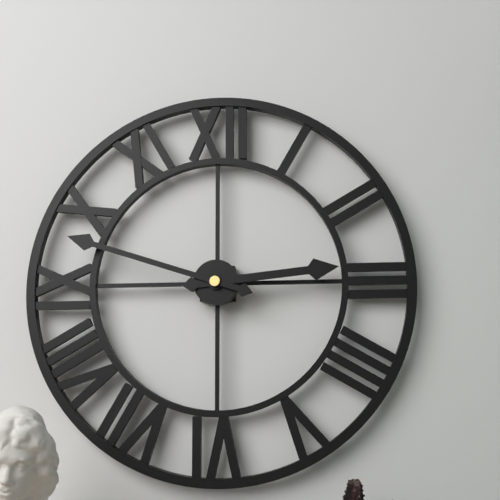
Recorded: h=2 m=48
